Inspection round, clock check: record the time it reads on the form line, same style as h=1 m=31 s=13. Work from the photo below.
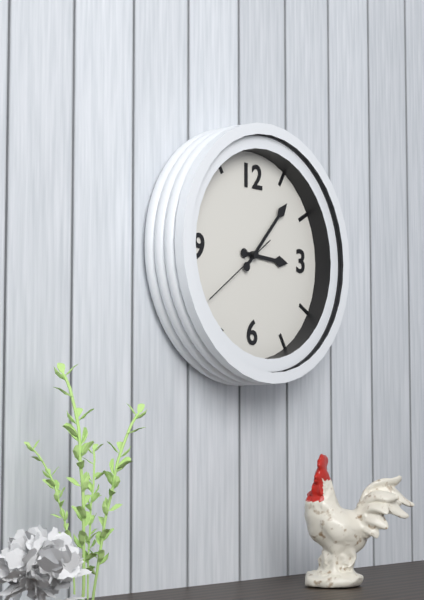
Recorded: h=3 m=7 s=39
